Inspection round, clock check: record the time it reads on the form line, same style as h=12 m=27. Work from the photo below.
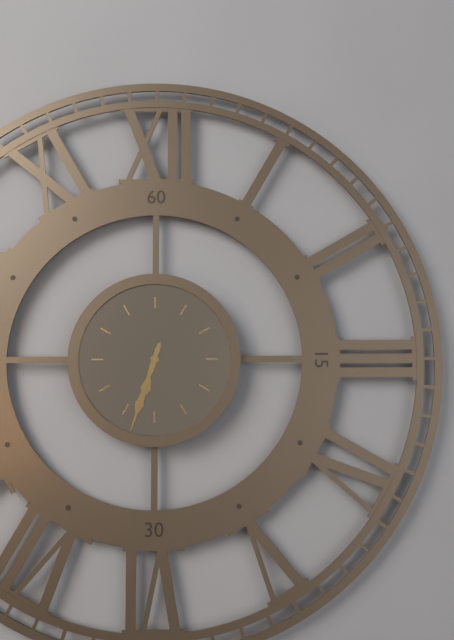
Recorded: h=6 m=33
